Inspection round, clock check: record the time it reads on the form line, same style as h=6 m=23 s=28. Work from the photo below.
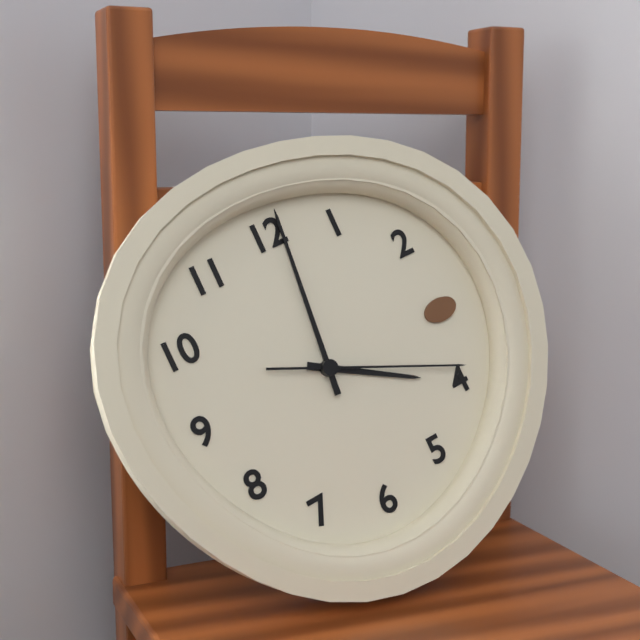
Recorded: h=4 m=1 s=19
